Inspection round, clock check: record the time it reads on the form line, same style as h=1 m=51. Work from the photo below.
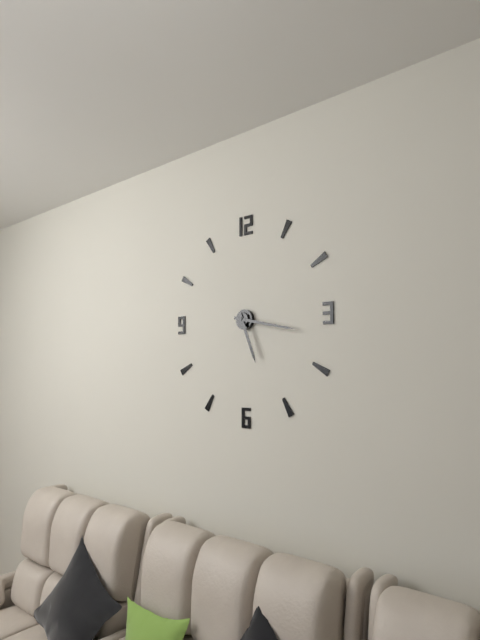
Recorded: h=5 m=17
